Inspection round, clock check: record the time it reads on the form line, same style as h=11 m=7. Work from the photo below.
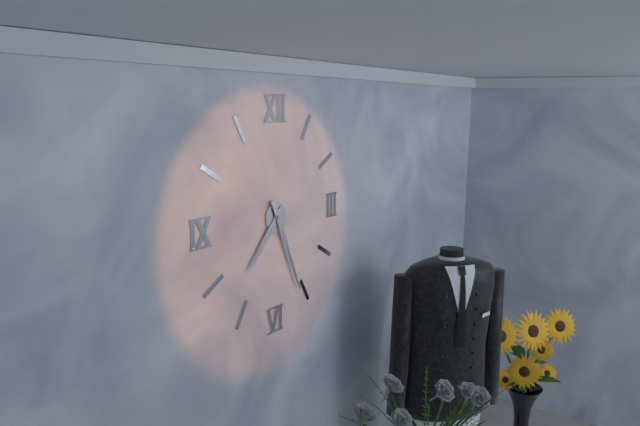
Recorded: h=7 m=26
